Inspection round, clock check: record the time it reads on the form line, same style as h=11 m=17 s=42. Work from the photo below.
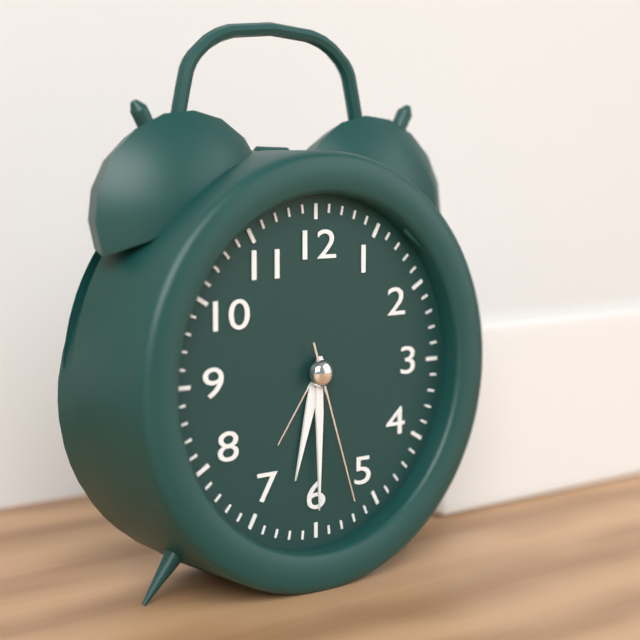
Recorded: h=6 m=30 s=27
